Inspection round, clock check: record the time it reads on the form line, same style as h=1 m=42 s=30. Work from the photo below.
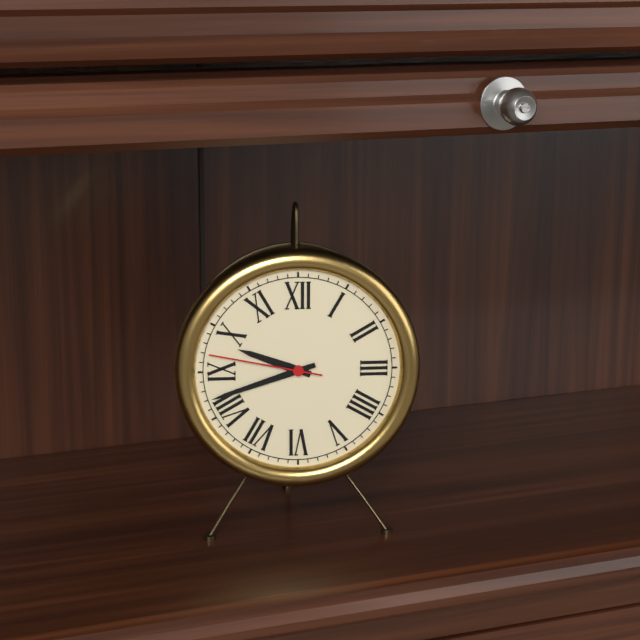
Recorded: h=9 m=42 s=47
